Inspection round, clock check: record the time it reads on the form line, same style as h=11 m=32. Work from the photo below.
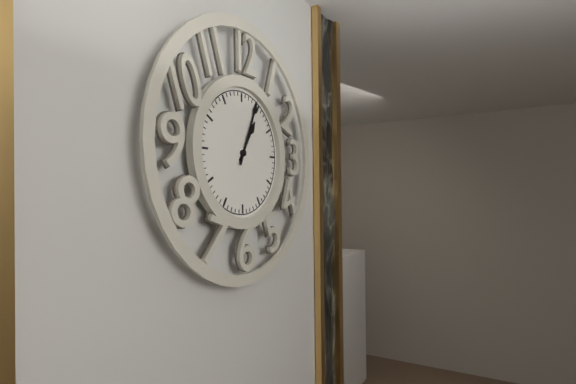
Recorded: h=1 m=4
